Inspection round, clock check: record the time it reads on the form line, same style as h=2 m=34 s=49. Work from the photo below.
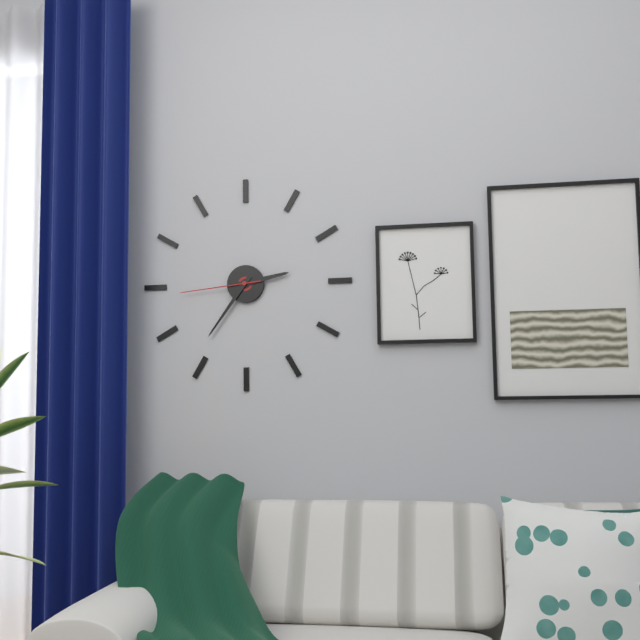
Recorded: h=2 m=36 s=44
